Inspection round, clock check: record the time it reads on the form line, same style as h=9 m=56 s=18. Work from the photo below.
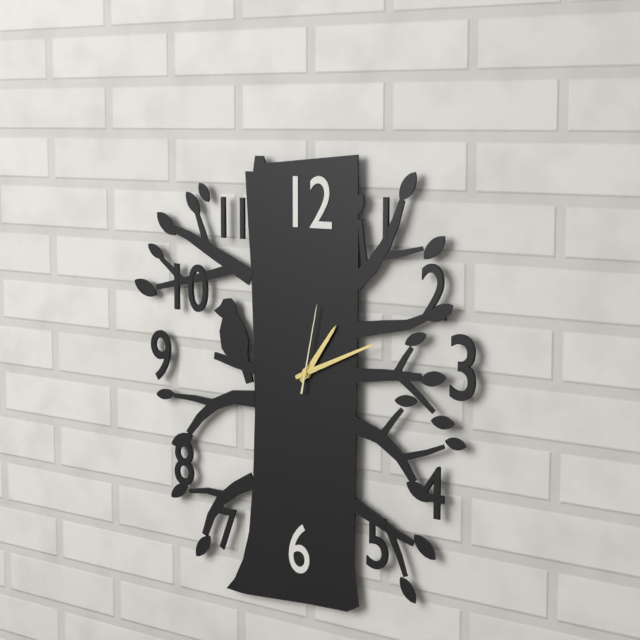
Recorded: h=1 m=11 s=2
